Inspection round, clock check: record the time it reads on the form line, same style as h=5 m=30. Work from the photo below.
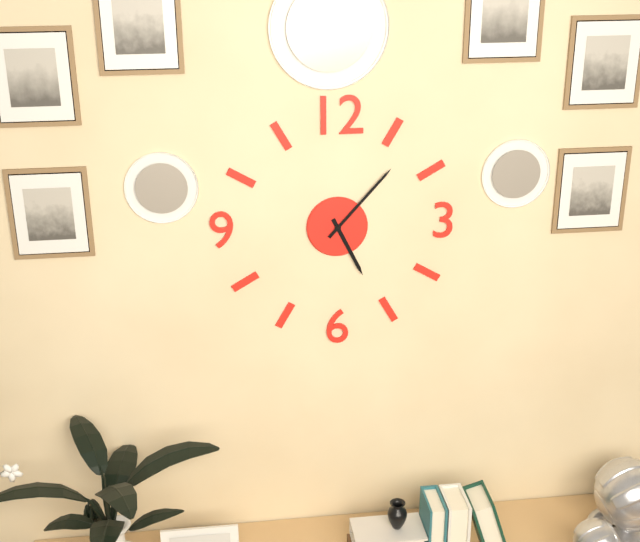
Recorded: h=5 m=7
